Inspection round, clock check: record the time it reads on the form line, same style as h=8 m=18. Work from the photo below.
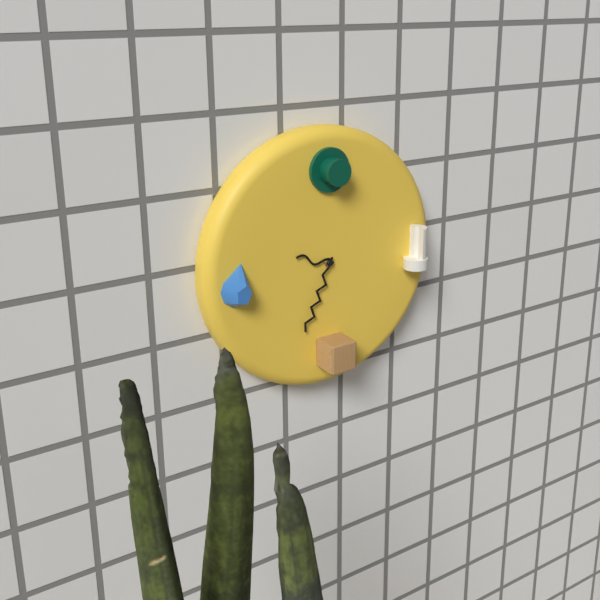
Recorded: h=9 m=34
